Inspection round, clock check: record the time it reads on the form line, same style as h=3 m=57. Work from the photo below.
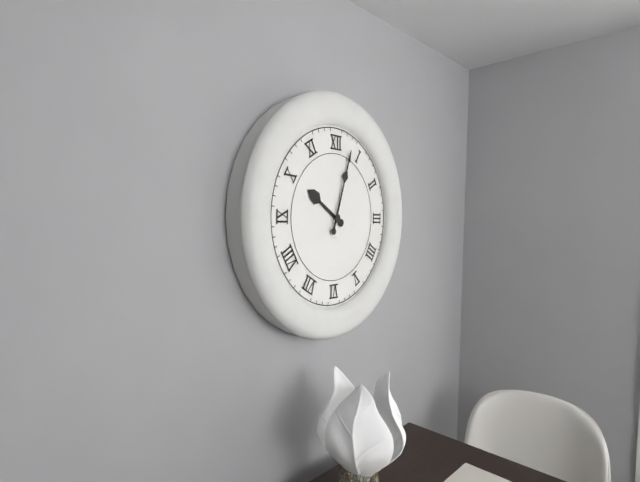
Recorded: h=10 m=3
